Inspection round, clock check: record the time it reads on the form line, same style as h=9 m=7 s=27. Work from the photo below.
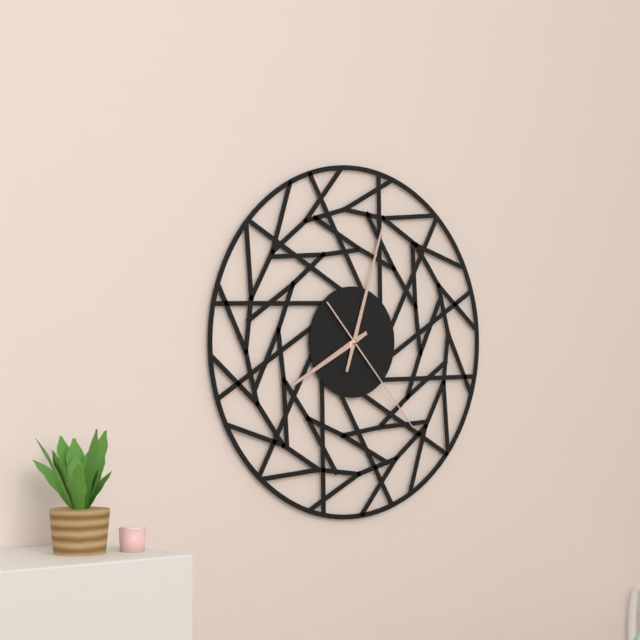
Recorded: h=8 m=3 s=23
